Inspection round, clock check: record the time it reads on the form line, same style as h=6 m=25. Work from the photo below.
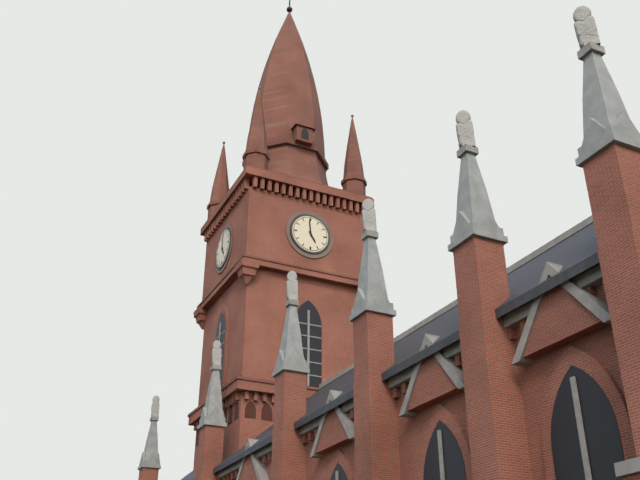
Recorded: h=4 m=59
